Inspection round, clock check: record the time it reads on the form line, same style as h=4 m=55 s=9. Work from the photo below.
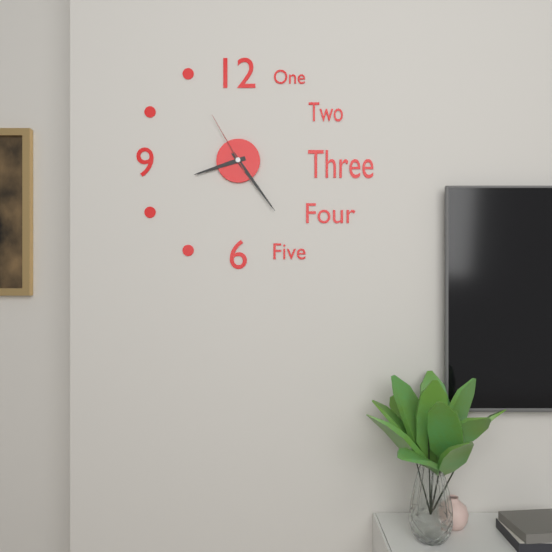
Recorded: h=8 m=24 s=55
